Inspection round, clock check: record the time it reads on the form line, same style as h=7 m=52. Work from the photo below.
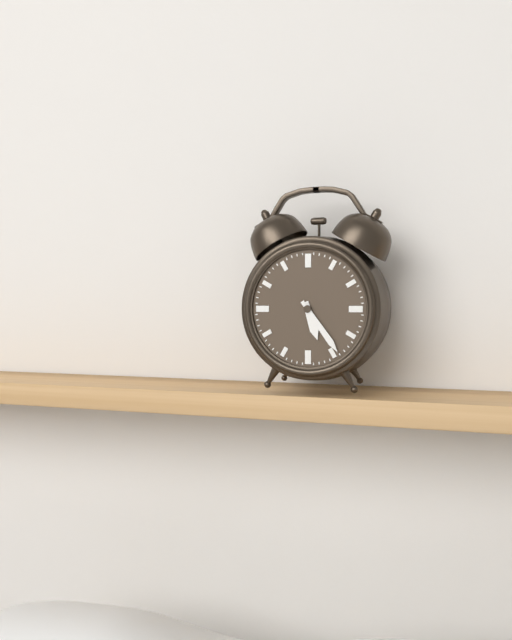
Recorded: h=5 m=24
